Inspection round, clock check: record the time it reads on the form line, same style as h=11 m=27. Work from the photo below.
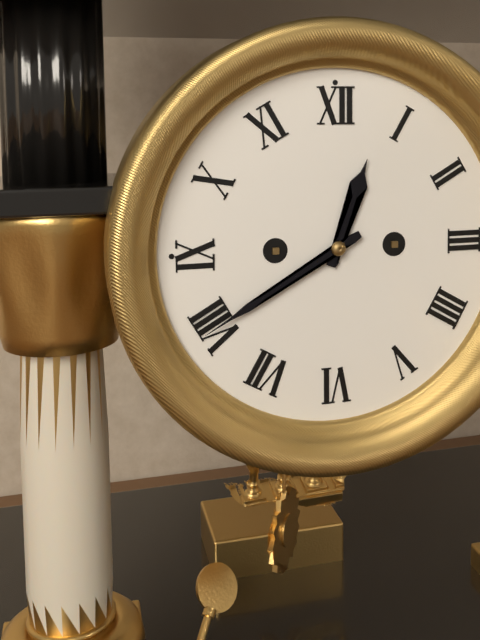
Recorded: h=12 m=40
